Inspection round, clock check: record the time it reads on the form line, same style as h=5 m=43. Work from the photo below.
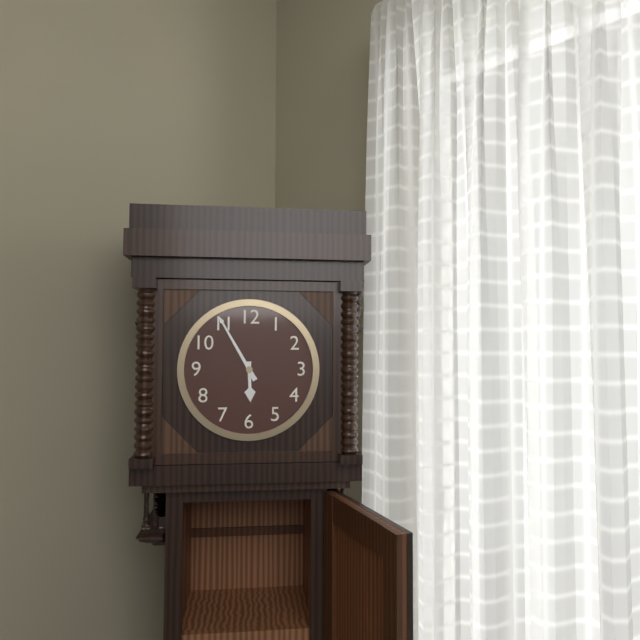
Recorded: h=5 m=55
